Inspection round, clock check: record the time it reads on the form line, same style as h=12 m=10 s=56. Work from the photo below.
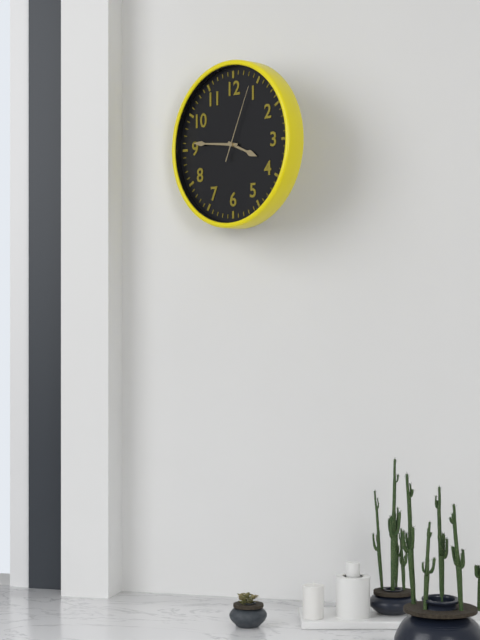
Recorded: h=3 m=46 s=4
